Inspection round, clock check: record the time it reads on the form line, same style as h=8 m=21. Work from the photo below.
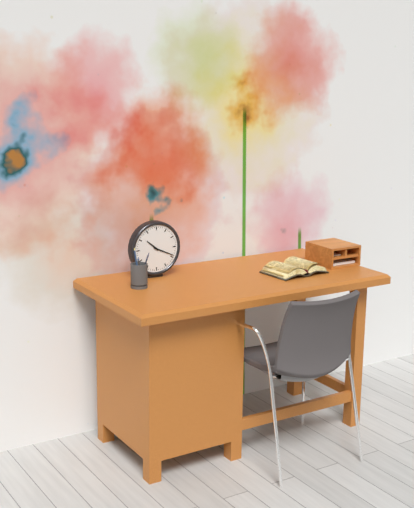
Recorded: h=10 m=19
